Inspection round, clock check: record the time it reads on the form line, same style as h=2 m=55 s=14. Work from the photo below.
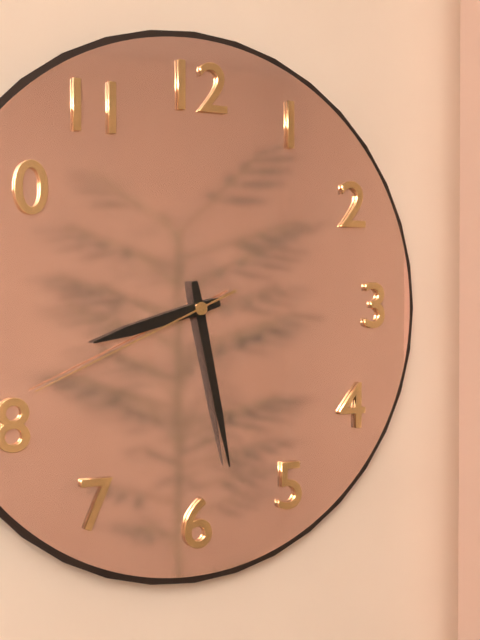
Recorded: h=8 m=28 s=41
